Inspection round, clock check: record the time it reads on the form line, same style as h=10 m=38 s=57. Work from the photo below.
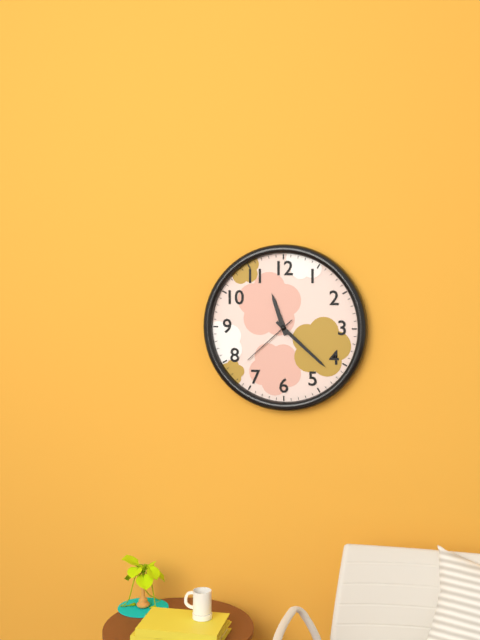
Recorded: h=11 m=22 s=38
